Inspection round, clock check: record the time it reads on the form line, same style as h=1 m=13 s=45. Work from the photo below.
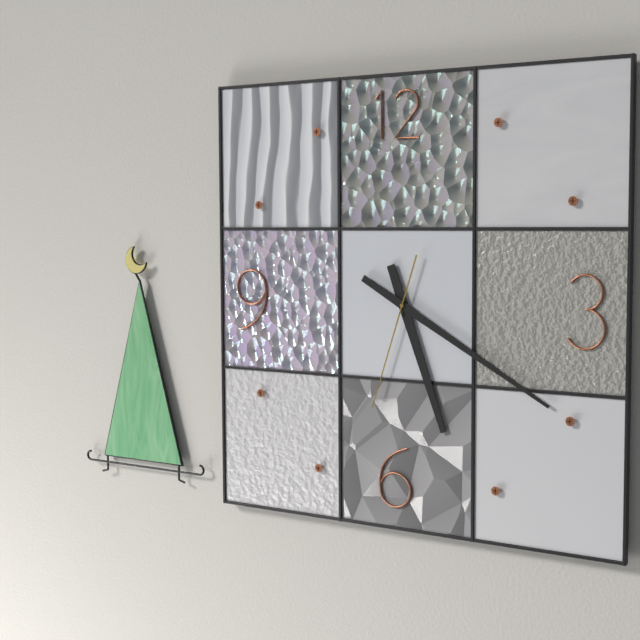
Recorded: h=5 m=20 s=33
